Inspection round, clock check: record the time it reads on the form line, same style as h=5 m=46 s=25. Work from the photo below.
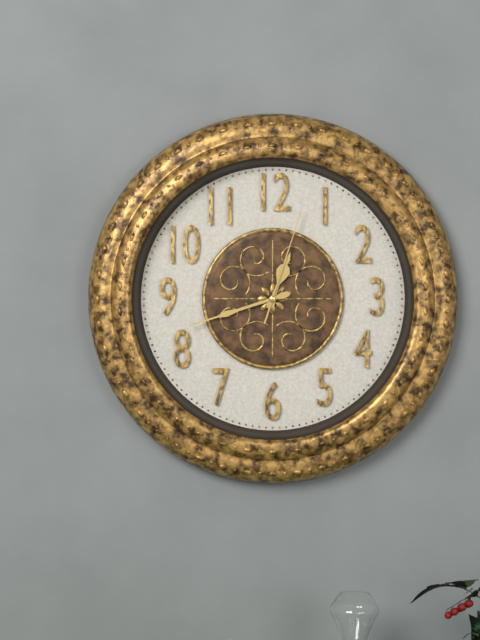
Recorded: h=12 m=42 s=3
